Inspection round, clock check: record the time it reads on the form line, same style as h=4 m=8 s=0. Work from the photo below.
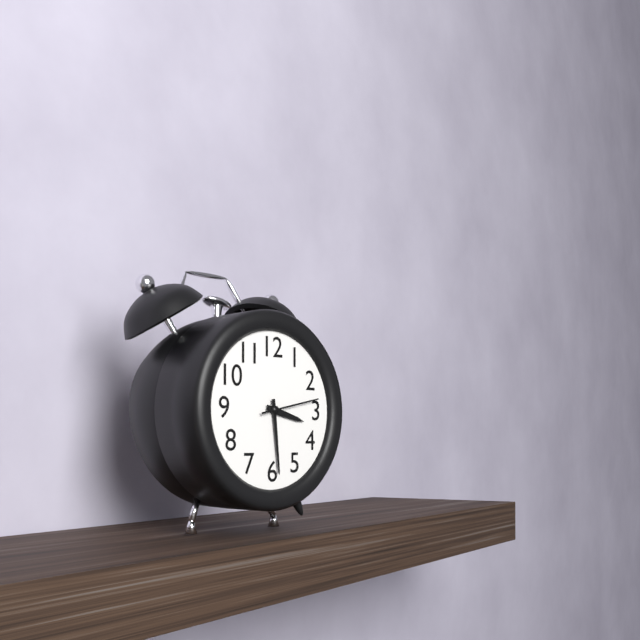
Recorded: h=3 m=29 s=13
